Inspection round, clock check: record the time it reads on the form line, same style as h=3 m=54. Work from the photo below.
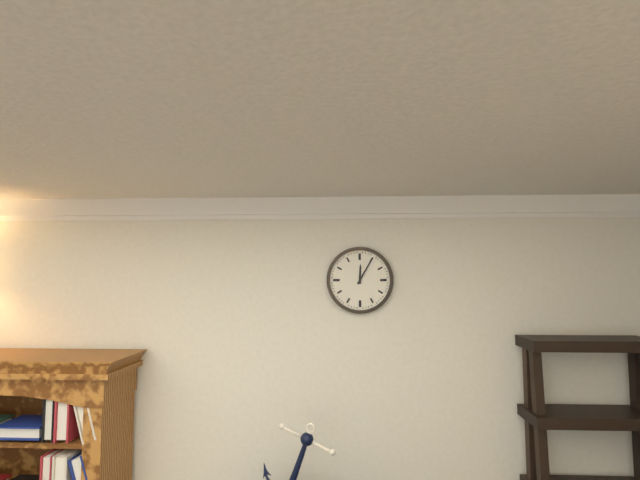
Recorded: h=12 m=5
